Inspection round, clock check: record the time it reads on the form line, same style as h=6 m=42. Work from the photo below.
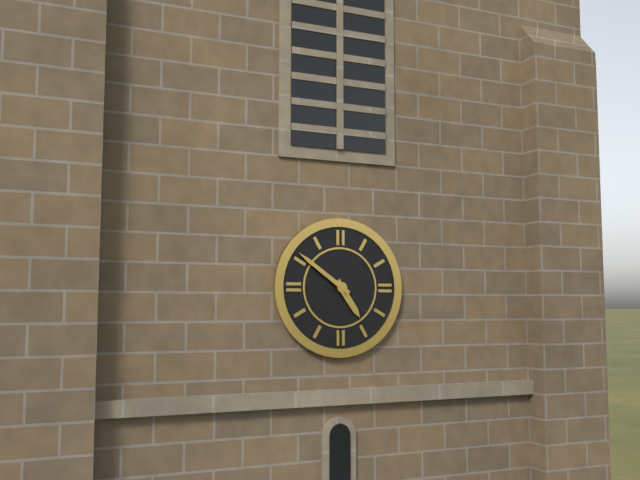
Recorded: h=4 m=51
